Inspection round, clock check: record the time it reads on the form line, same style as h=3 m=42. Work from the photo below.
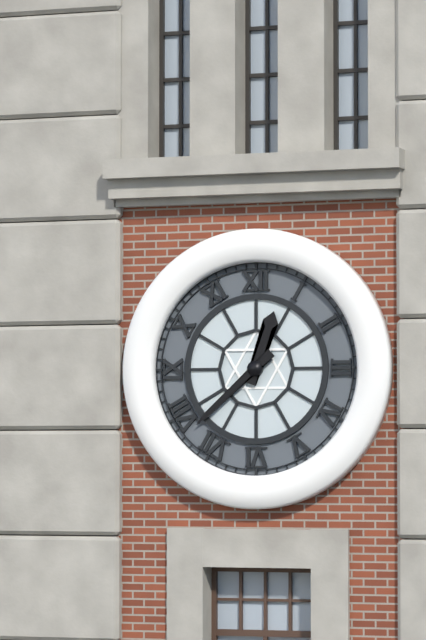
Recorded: h=12 m=38
